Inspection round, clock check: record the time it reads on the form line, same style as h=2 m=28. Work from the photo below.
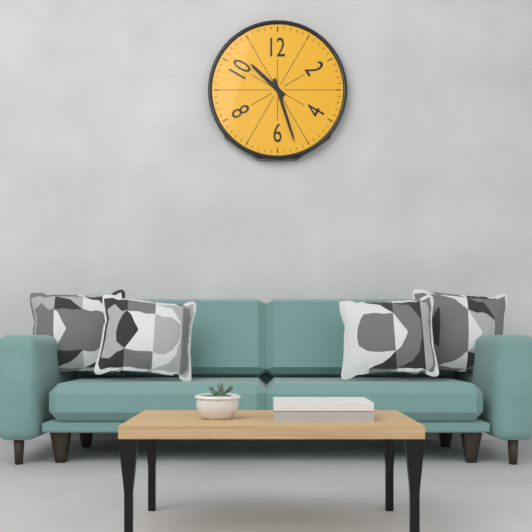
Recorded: h=10 m=27
